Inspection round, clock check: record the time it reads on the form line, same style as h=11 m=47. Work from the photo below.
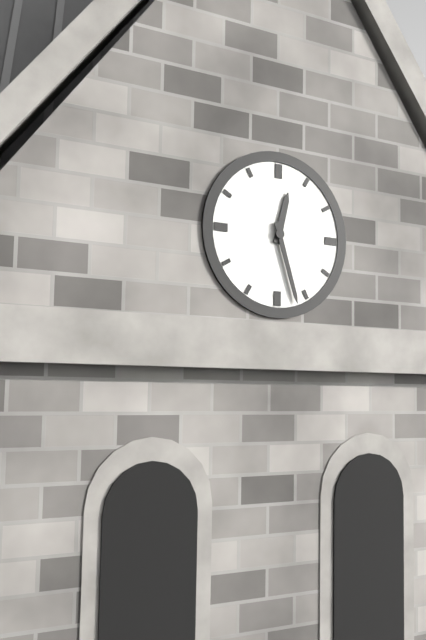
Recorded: h=12 m=27
